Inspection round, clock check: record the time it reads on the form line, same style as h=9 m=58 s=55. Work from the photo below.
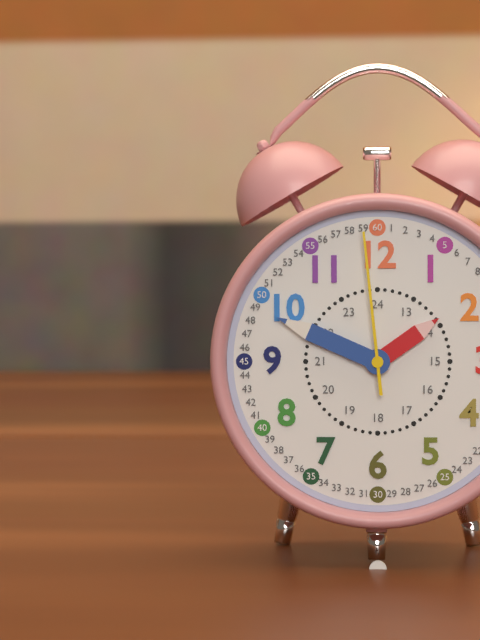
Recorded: h=1 m=49 s=59
